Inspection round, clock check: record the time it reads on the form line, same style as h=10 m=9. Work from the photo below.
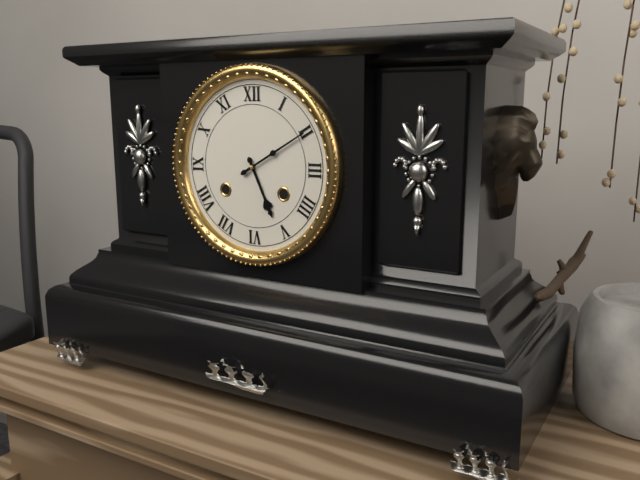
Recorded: h=5 m=10
